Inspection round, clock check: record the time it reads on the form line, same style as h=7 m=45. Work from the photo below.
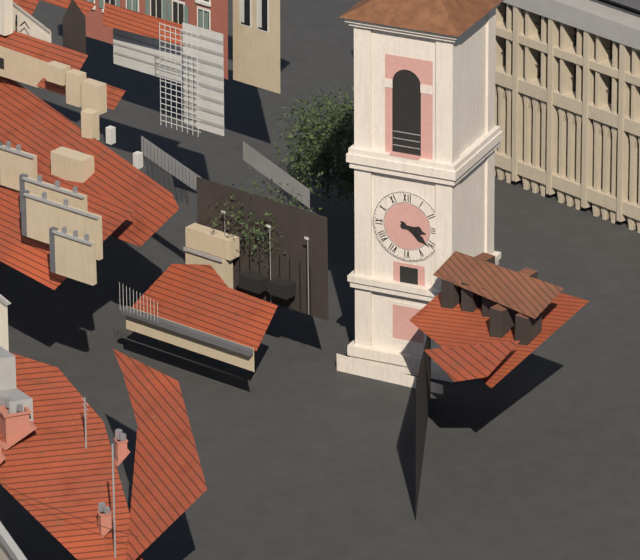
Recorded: h=3 m=21
